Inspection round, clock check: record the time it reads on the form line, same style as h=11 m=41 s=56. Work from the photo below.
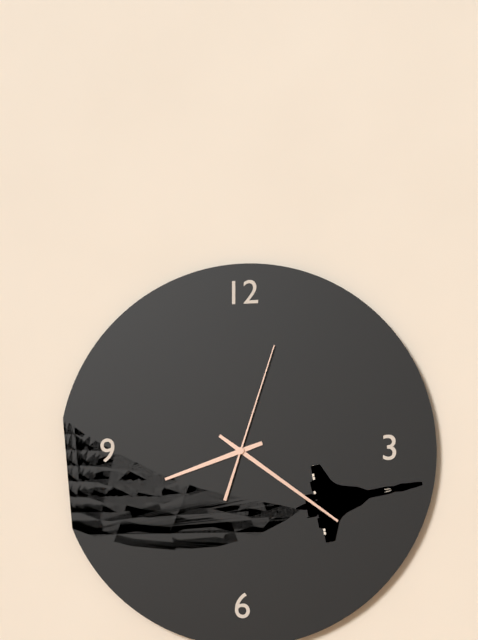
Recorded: h=8 m=21 s=3
